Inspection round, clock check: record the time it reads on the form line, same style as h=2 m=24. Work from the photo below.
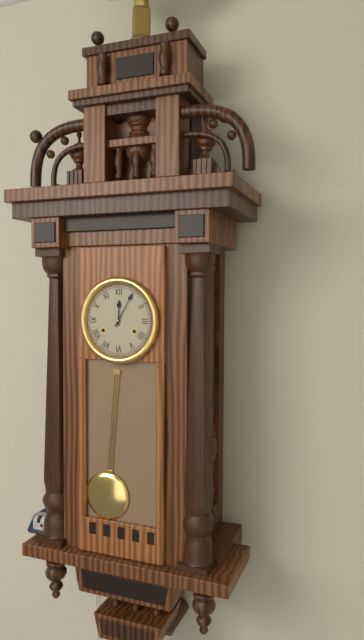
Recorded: h=12 m=5
